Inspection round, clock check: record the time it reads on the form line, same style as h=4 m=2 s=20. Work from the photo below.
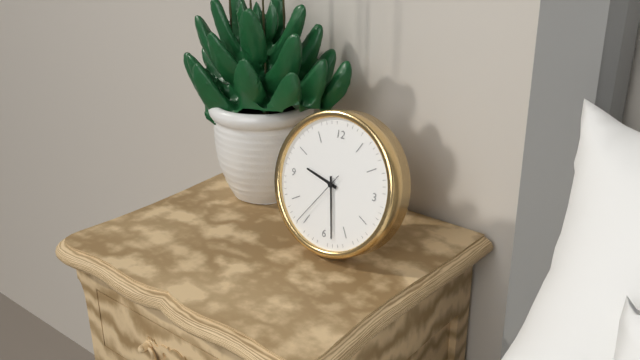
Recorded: h=9 m=28 s=36
